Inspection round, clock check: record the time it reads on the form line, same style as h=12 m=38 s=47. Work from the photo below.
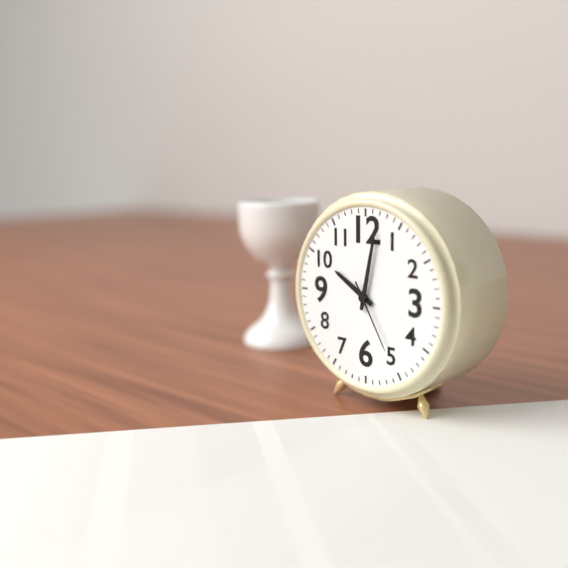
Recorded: h=10 m=2 s=25
